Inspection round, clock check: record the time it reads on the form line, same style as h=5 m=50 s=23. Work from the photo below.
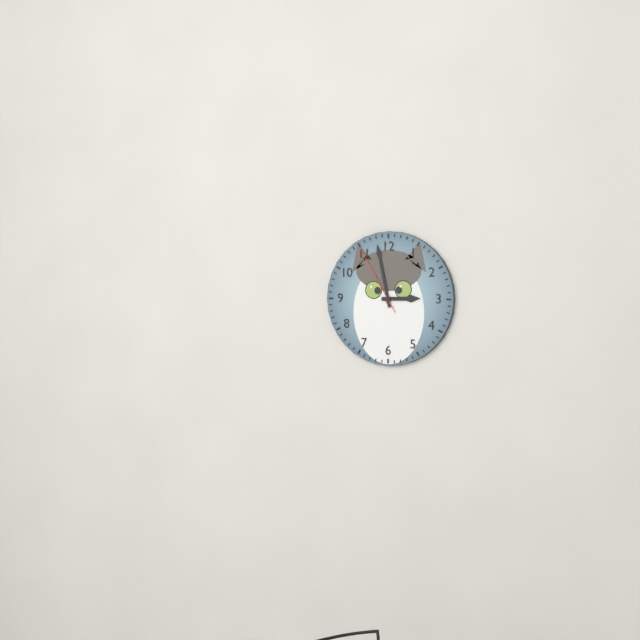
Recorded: h=2 m=58 s=55
